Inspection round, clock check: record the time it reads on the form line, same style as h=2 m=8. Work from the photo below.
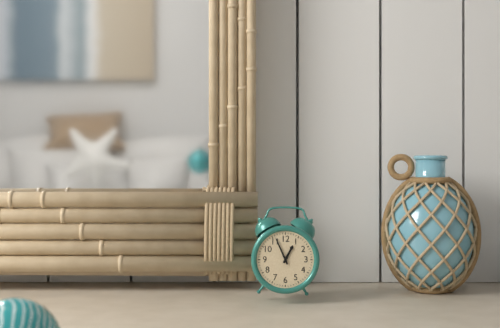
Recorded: h=12 m=56
